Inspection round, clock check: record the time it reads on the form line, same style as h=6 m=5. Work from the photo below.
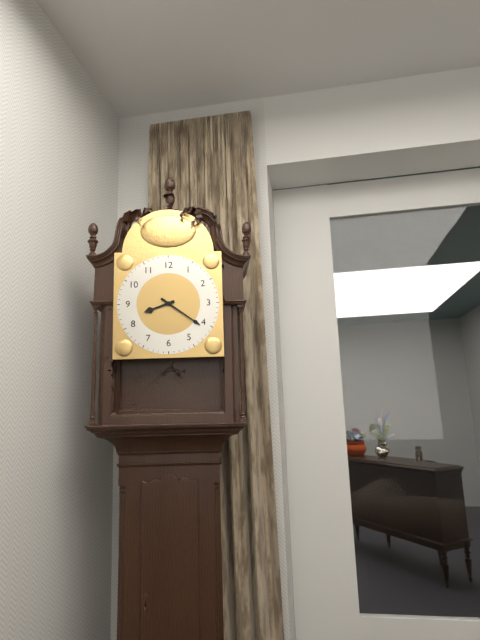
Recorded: h=8 m=21
